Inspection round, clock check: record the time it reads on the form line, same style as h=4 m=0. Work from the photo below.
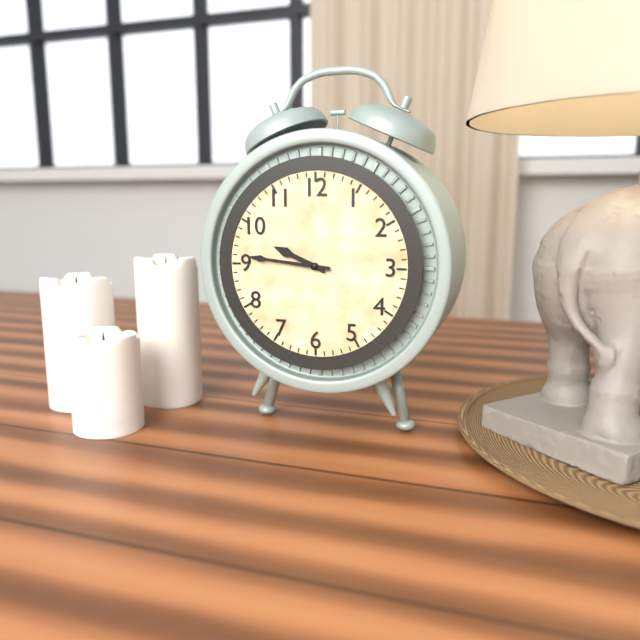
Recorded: h=9 m=46
